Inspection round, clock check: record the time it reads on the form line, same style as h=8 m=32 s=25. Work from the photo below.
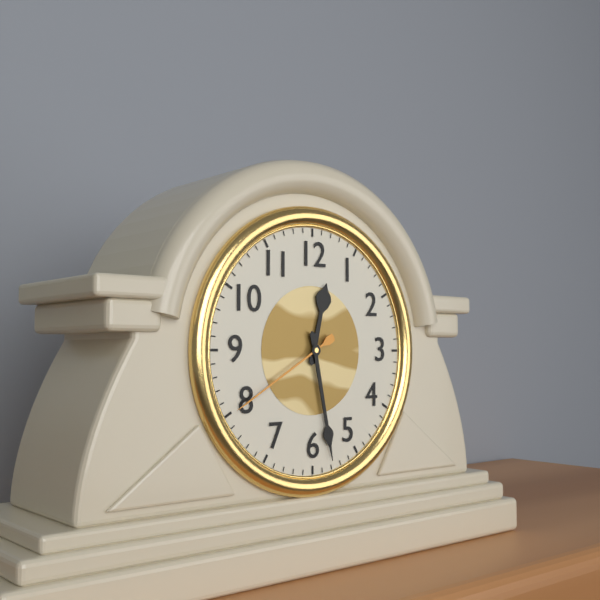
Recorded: h=12 m=28 s=40
